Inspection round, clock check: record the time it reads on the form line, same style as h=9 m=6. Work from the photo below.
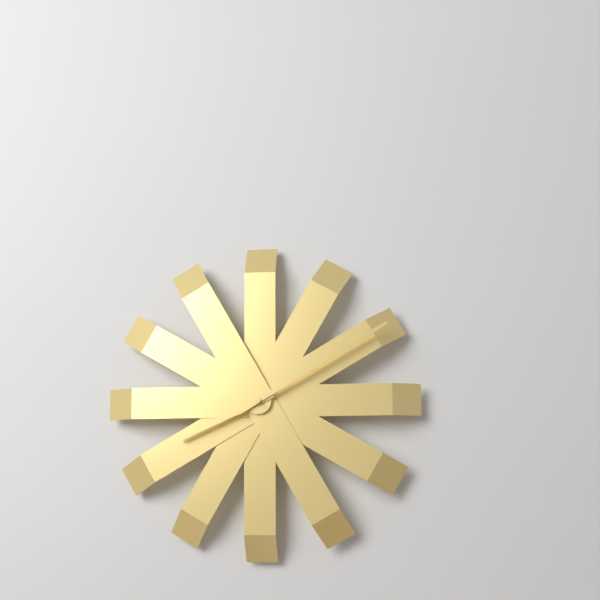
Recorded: h=8 m=10
